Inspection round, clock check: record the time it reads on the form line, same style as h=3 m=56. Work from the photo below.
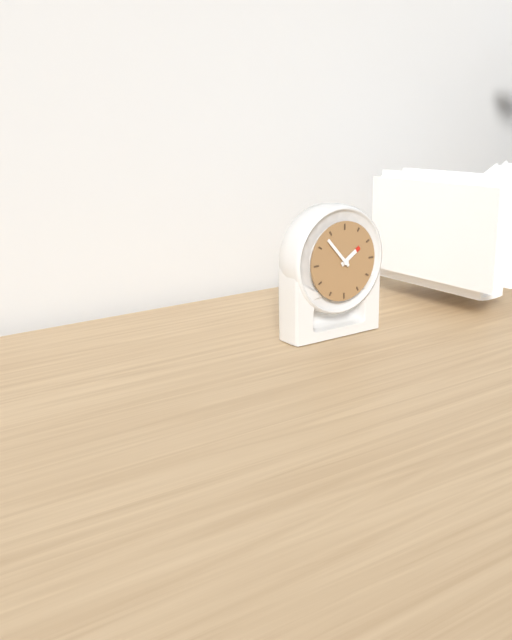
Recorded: h=1 m=53
